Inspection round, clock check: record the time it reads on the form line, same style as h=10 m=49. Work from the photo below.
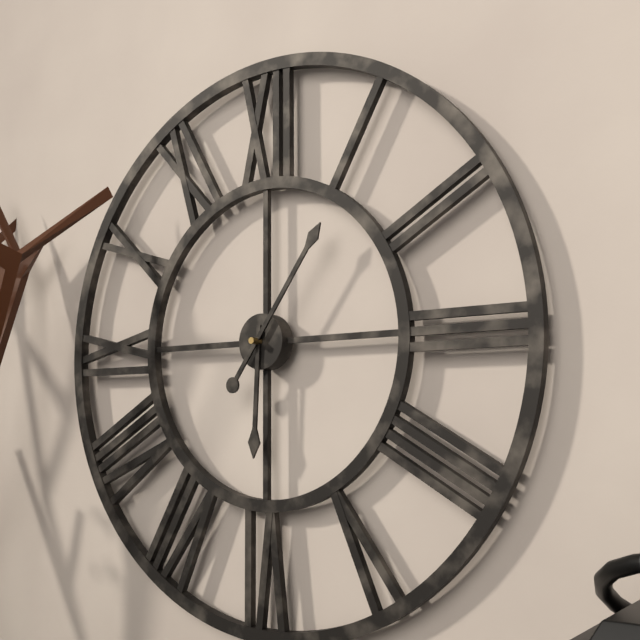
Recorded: h=6 m=6
